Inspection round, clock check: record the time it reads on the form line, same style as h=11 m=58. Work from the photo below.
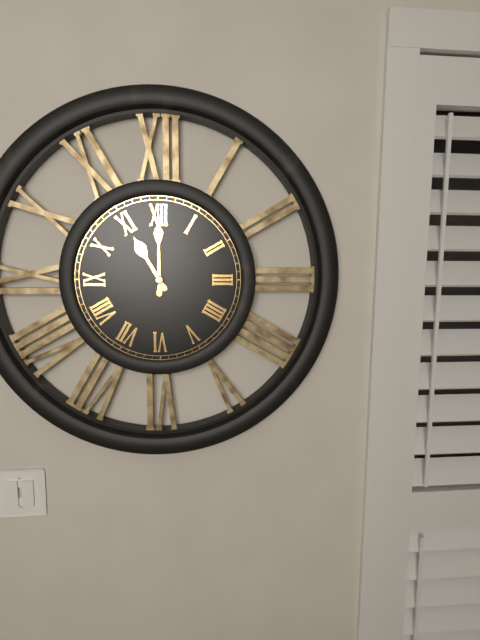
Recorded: h=11 m=0
